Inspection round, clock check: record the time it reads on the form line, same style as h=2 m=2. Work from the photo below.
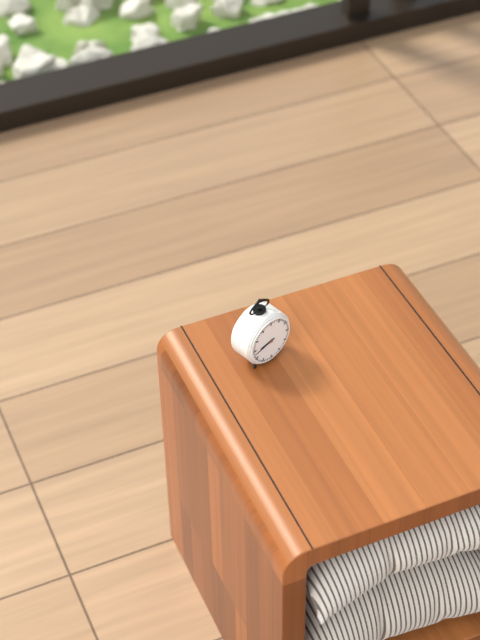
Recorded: h=8 m=43
